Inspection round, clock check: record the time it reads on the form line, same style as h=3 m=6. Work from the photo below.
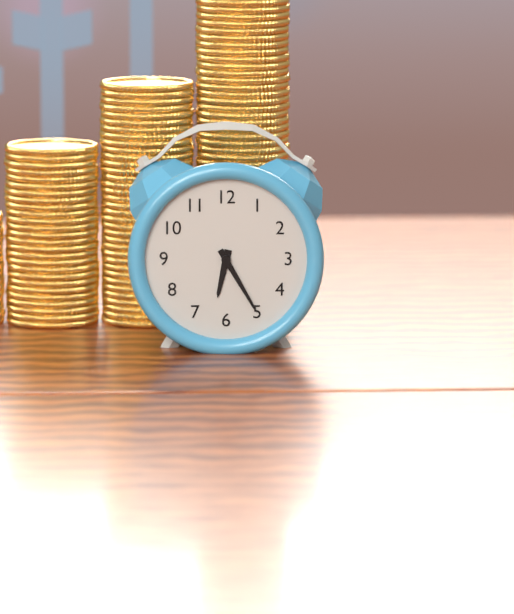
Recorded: h=6 m=25
